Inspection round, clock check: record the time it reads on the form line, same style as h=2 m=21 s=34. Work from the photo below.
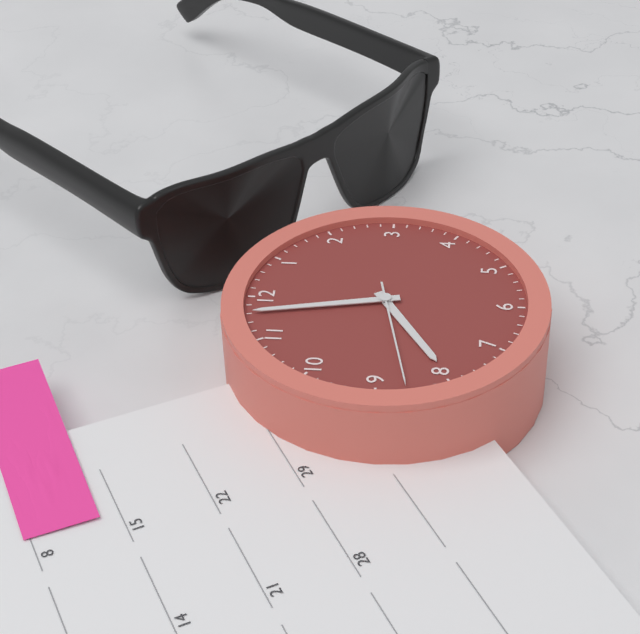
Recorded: h=7 m=58 s=43
